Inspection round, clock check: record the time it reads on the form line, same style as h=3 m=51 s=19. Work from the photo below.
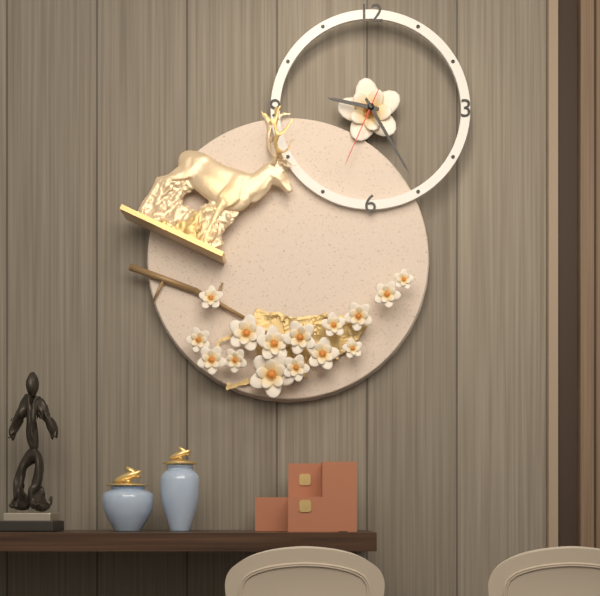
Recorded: h=9 m=25 s=34
